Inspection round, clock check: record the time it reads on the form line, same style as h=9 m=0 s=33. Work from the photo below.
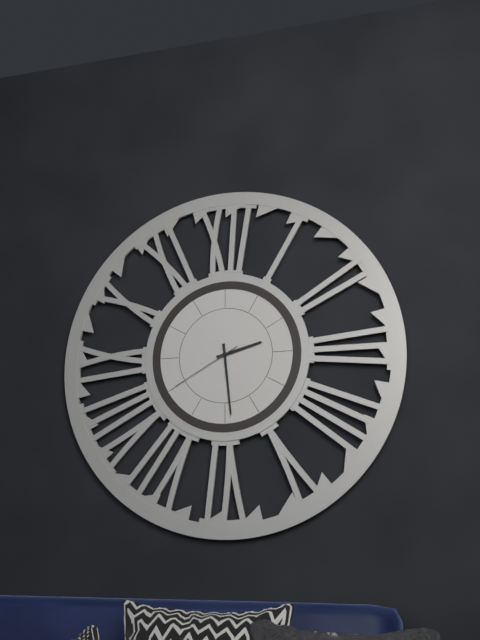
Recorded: h=2 m=29 s=40
